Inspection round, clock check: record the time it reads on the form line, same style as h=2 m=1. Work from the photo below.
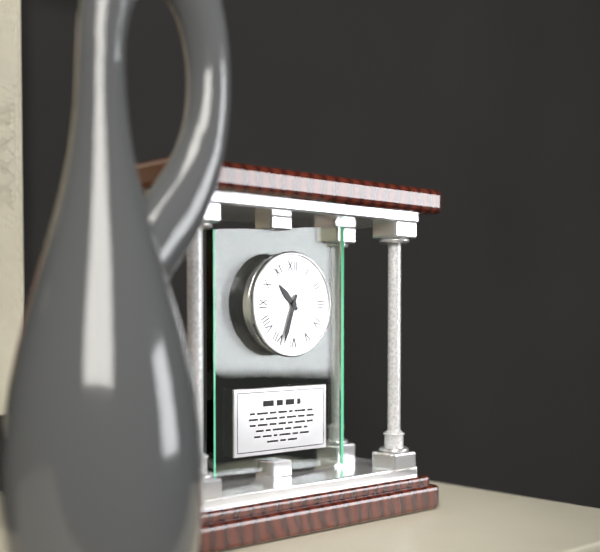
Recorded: h=10 m=33
